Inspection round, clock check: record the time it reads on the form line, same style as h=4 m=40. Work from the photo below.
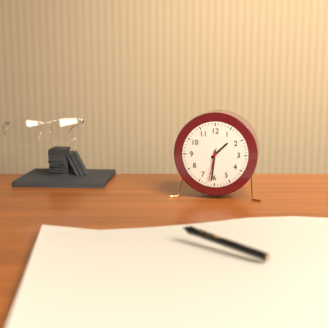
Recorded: h=1 m=31
